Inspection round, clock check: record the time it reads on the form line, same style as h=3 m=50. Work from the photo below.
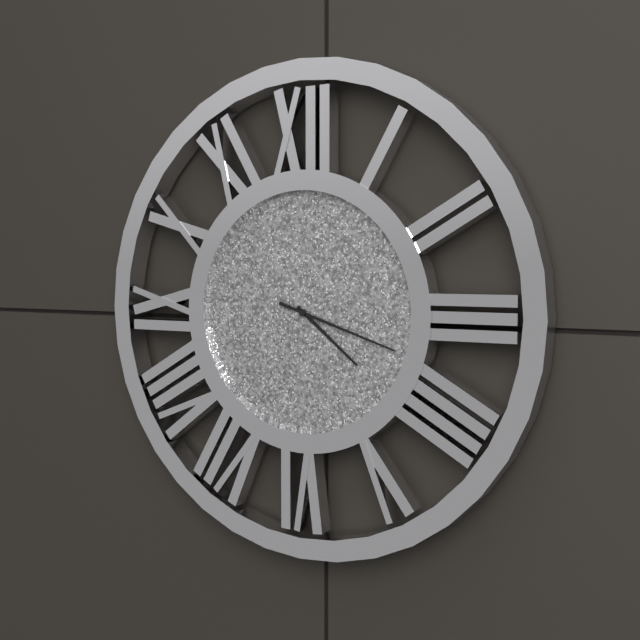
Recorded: h=4 m=18
